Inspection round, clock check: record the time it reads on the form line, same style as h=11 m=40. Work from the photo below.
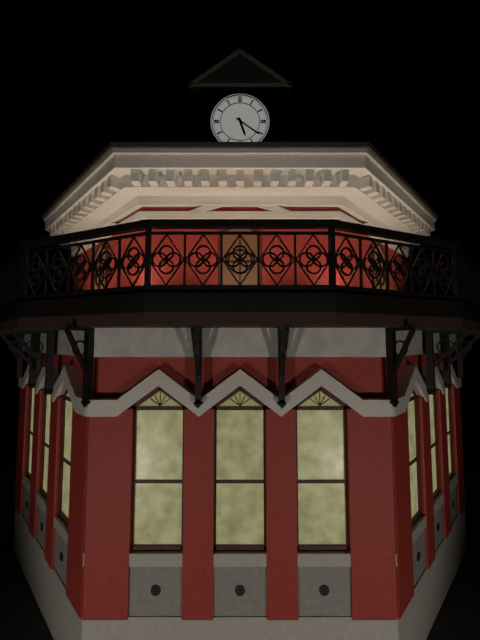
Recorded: h=5 m=21
